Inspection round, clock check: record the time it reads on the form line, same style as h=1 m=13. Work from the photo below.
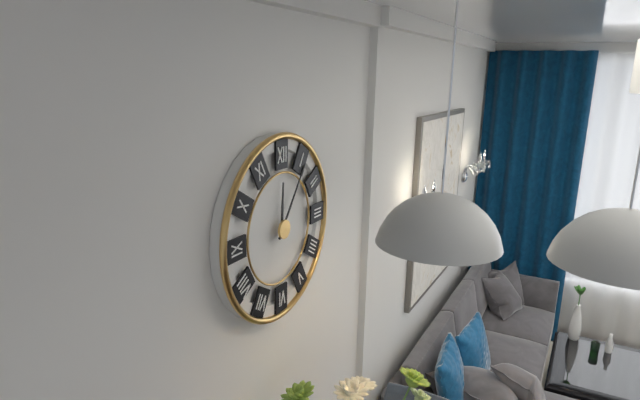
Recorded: h=12 m=6
